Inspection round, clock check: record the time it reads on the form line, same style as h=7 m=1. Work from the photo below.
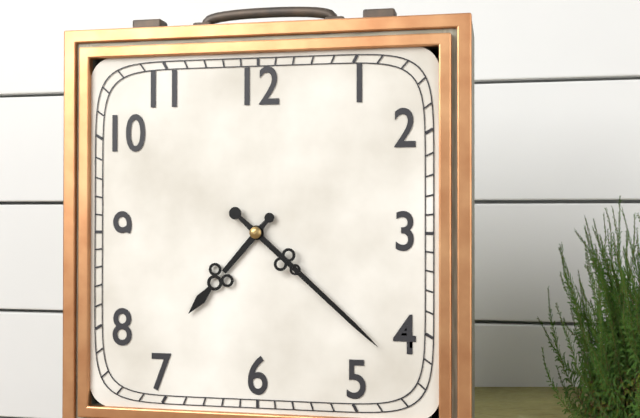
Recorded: h=7 m=22
